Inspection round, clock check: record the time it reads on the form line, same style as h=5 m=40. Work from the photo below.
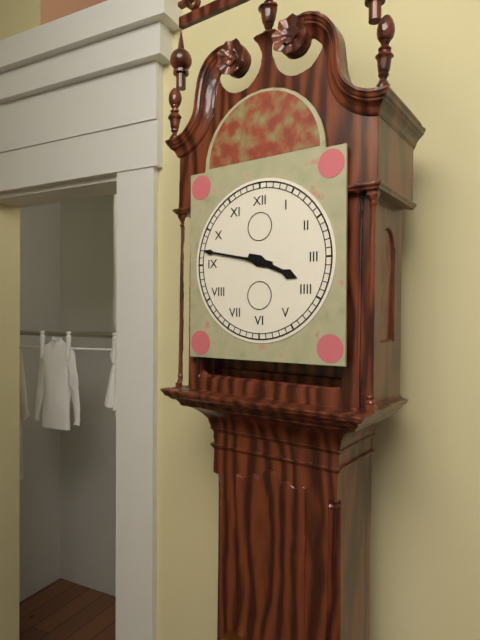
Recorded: h=3 m=47
